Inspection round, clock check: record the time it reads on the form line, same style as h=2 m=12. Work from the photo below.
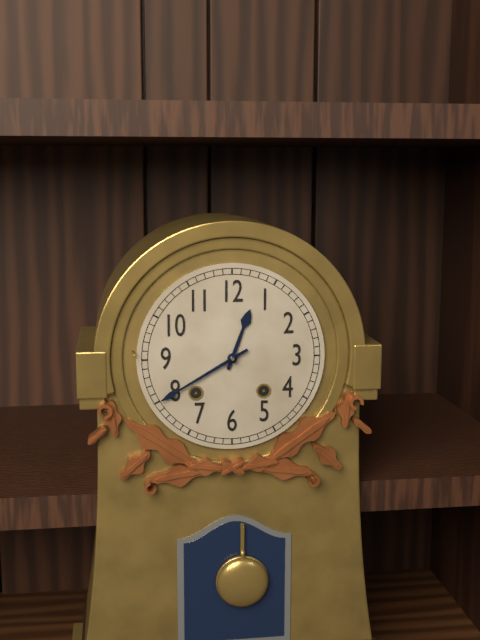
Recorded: h=12 m=40
